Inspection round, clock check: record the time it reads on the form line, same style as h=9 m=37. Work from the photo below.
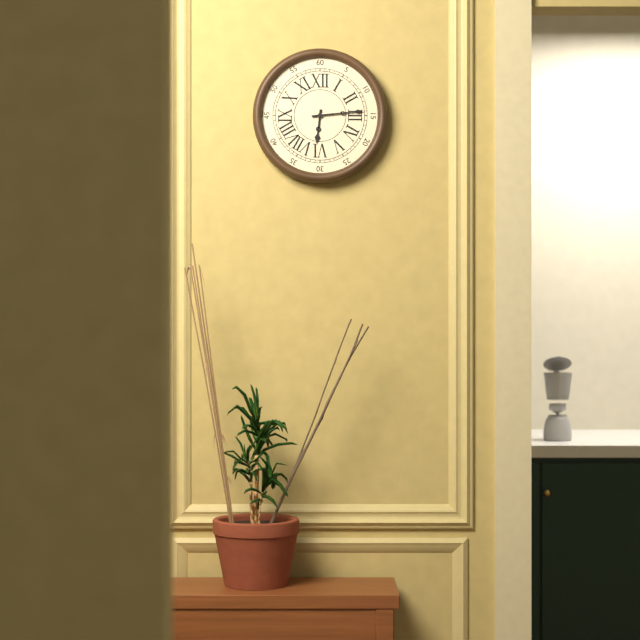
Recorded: h=6 m=14
